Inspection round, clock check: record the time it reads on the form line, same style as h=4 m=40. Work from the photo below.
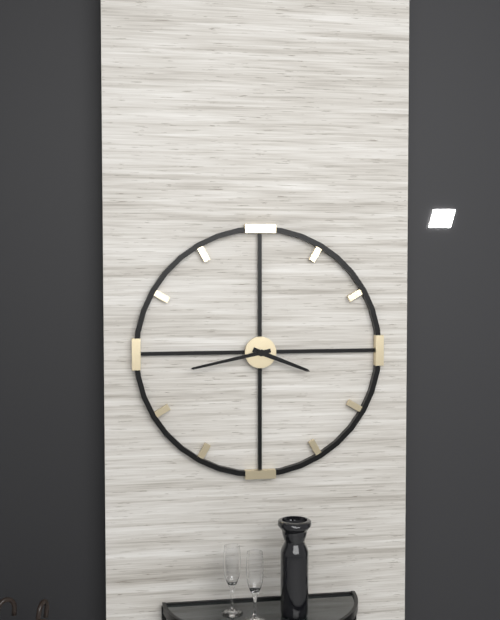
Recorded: h=3 m=43
